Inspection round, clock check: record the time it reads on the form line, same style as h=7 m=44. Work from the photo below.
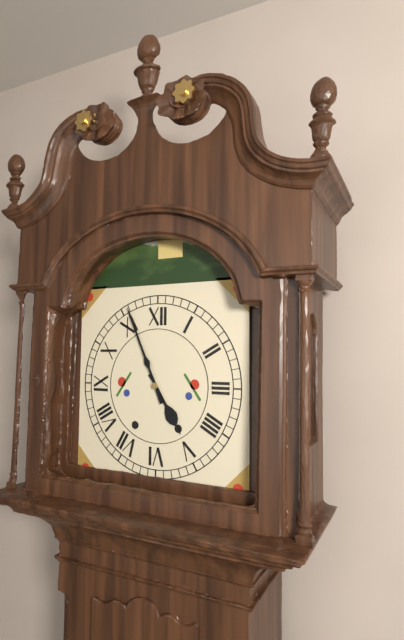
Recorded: h=4 m=56
